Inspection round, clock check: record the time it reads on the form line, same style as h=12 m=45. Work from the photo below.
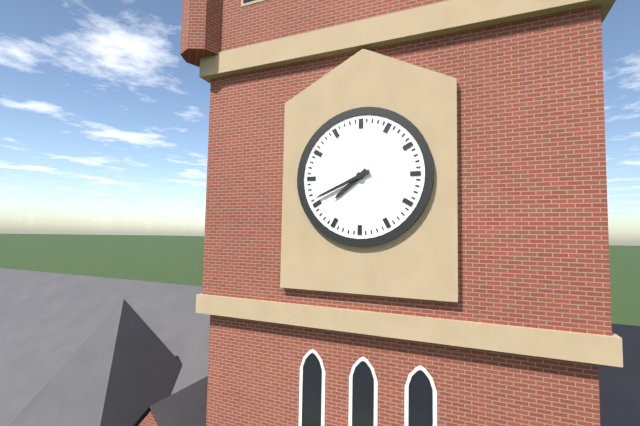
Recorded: h=7 m=41
